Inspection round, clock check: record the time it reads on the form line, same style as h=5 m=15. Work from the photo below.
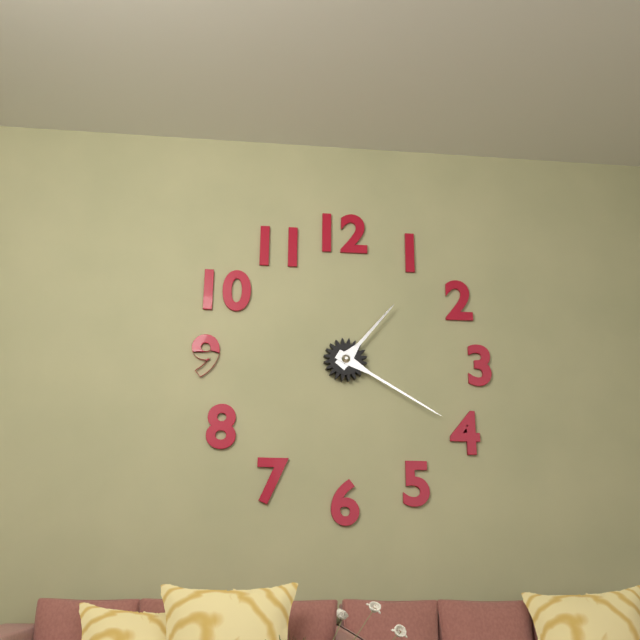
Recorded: h=1 m=20
